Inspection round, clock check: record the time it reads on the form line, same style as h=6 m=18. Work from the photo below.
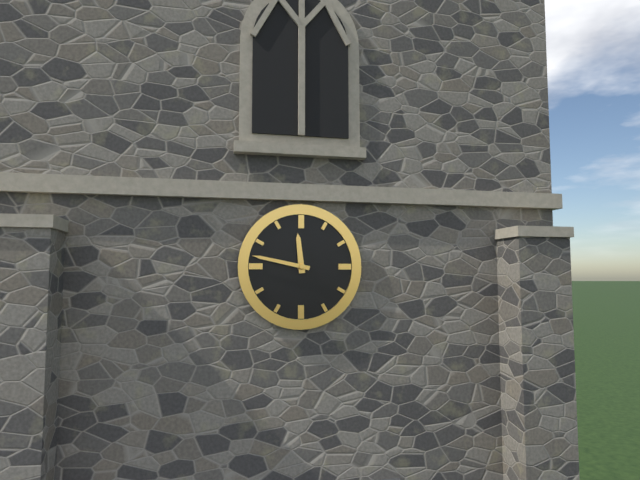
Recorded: h=11 m=47
